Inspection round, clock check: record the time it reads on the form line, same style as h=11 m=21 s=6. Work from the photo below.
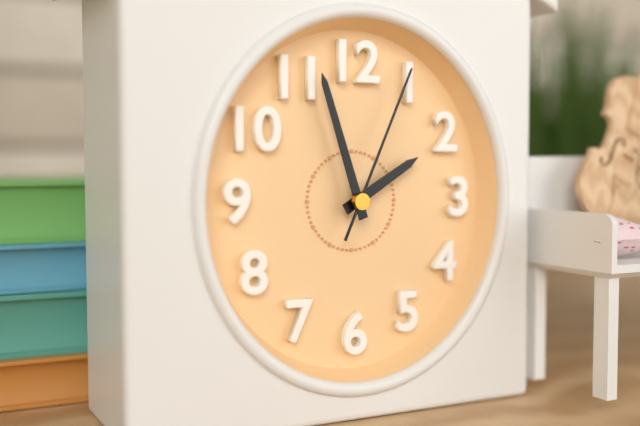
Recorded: h=1 m=57 s=4
